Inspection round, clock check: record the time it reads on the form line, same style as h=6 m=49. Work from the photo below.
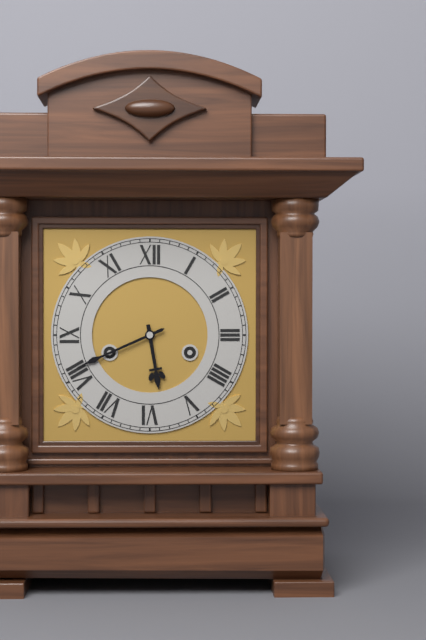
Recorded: h=5 m=41
